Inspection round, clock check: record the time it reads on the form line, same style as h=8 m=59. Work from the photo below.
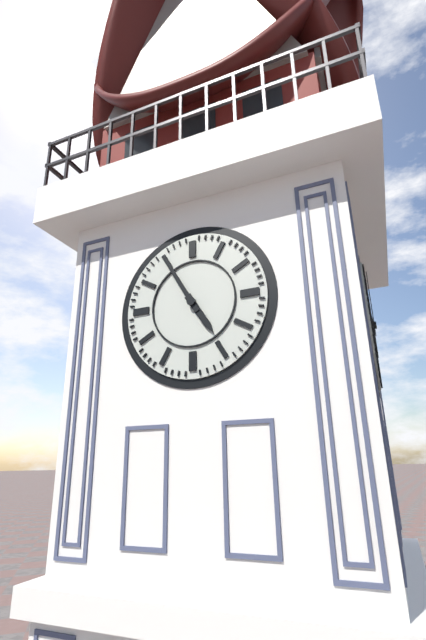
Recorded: h=4 m=55
